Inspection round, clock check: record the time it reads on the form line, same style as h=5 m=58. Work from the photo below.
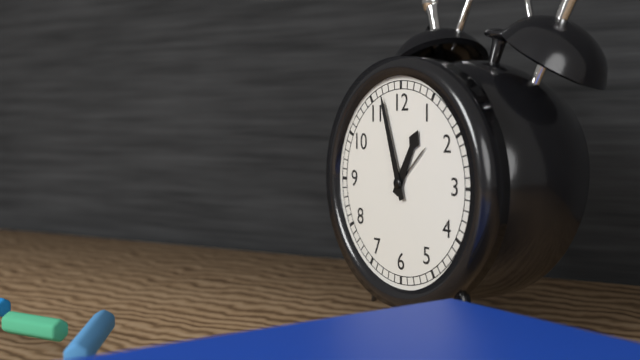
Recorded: h=12 m=57
